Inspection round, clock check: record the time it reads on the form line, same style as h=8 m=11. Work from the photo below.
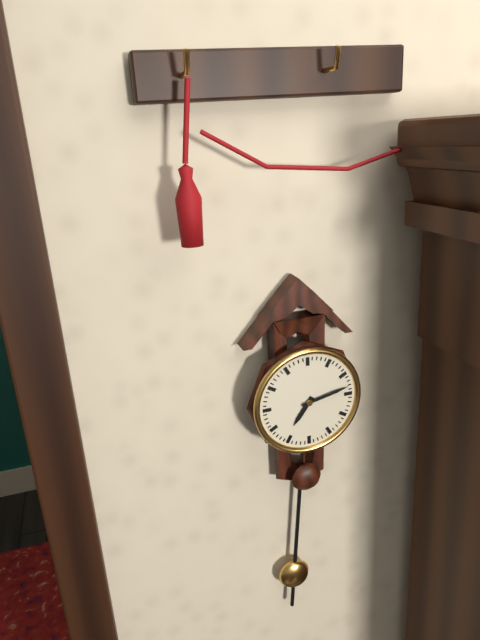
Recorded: h=7 m=13
